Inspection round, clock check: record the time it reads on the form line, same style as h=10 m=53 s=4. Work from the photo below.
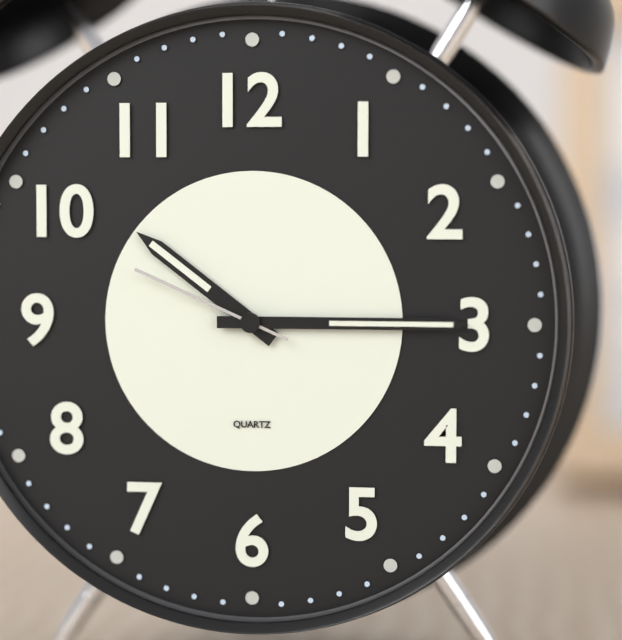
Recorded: h=10 m=15 s=49
